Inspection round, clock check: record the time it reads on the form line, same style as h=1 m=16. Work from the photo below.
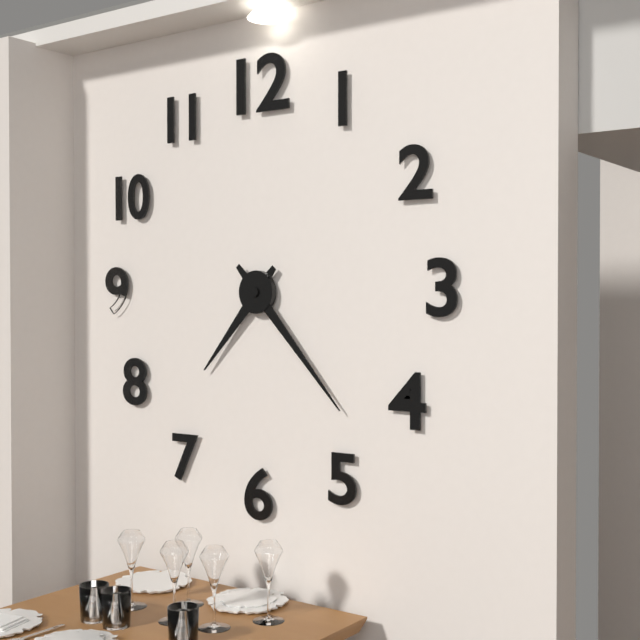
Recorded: h=7 m=23
